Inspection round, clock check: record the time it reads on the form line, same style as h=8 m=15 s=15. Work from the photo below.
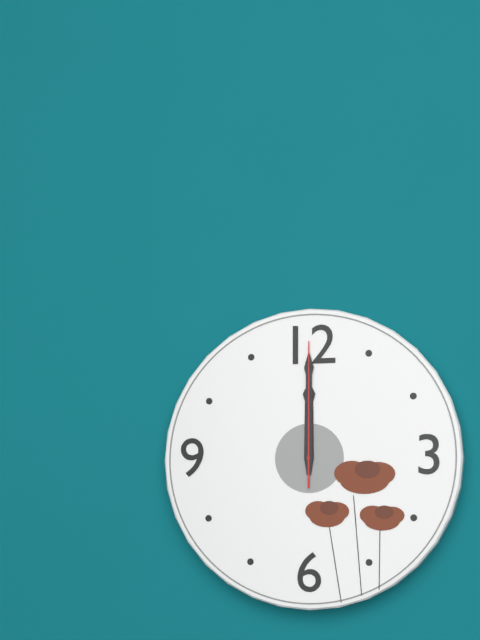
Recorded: h=12 m=0 s=0
